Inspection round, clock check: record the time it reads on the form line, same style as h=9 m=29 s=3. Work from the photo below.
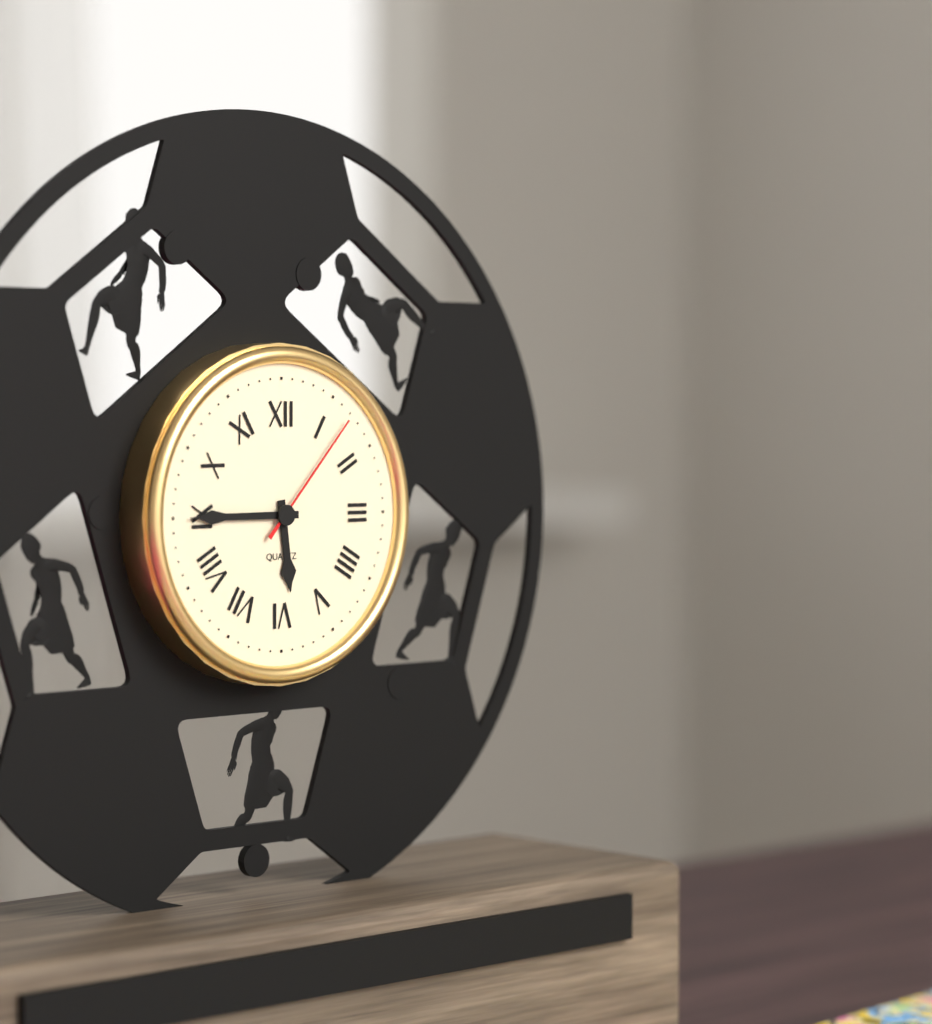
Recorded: h=5 m=45 s=7
